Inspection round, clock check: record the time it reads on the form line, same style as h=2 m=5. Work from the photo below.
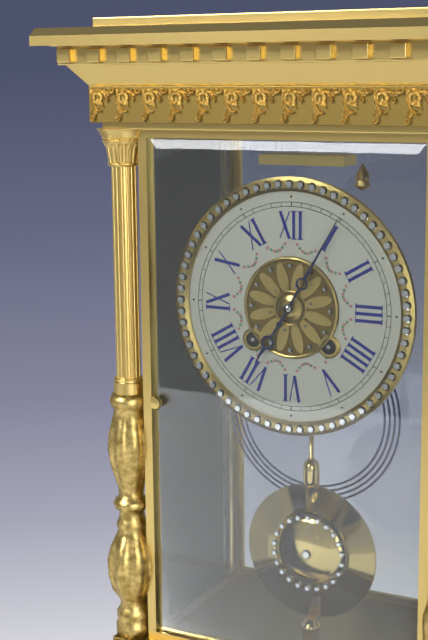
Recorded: h=7 m=5
